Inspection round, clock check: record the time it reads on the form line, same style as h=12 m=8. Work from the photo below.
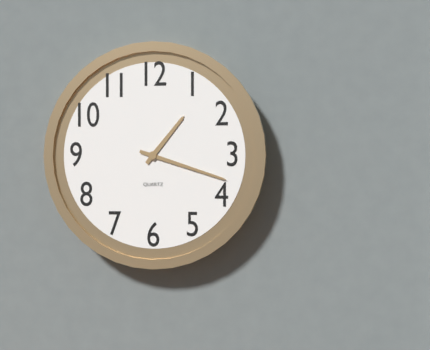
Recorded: h=1 m=18
